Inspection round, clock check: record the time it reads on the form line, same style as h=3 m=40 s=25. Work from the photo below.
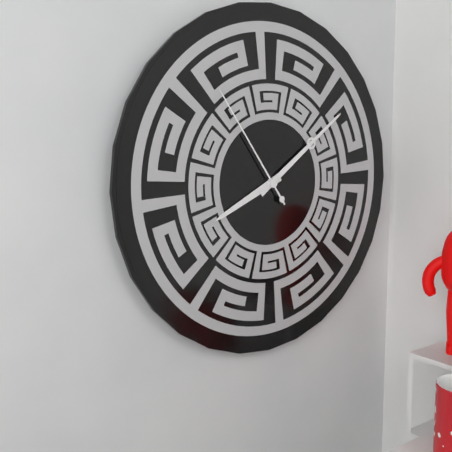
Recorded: h=8 m=9 s=54
